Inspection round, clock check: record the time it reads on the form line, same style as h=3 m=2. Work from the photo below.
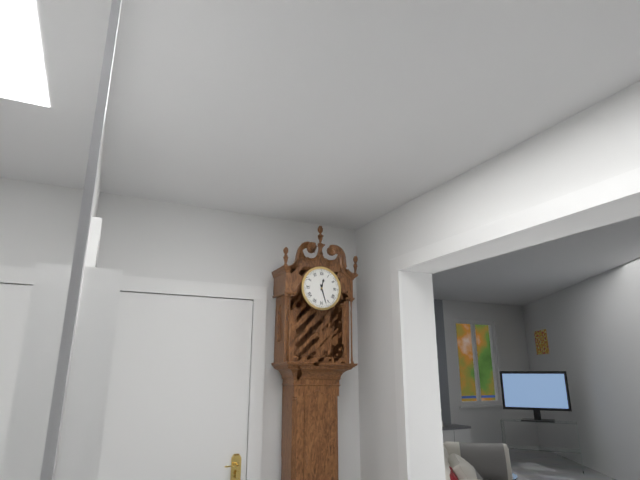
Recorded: h=12 m=27
